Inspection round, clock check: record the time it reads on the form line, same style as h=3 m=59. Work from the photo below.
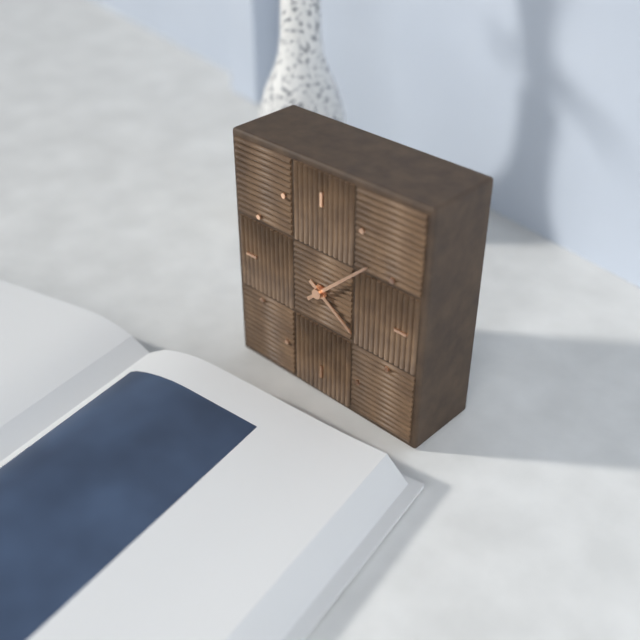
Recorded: h=4 m=8
